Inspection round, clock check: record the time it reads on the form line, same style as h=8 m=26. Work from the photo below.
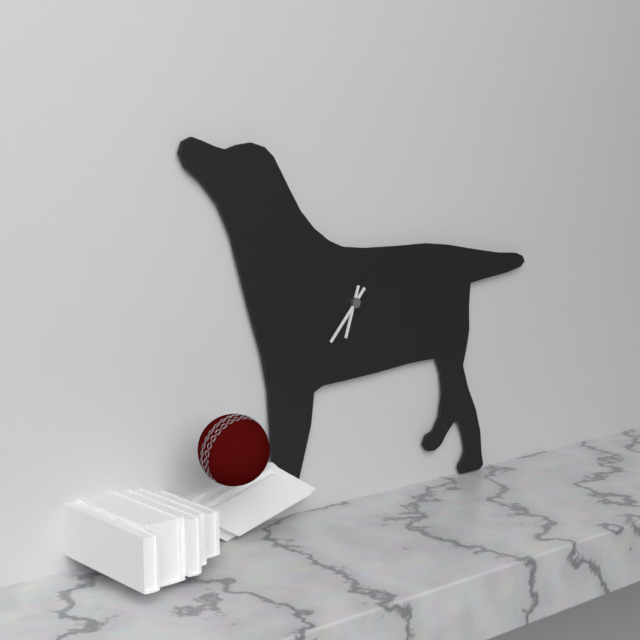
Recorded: h=6 m=37
